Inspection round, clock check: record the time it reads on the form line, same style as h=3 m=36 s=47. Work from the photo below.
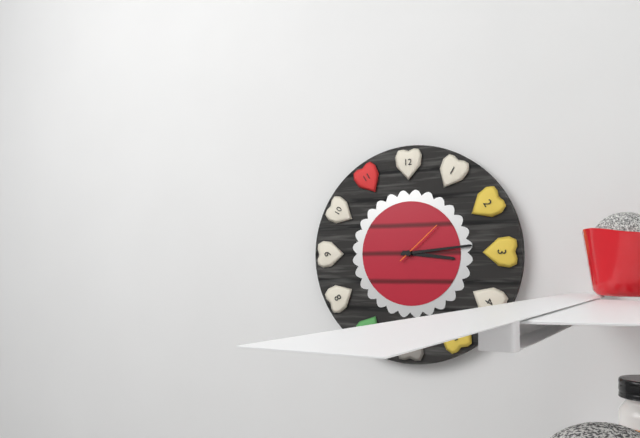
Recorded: h=3 m=14 s=8
